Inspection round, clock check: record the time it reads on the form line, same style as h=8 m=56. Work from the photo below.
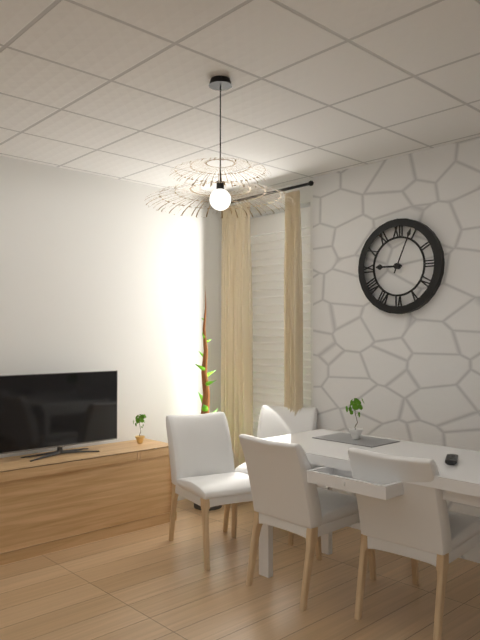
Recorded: h=9 m=4
